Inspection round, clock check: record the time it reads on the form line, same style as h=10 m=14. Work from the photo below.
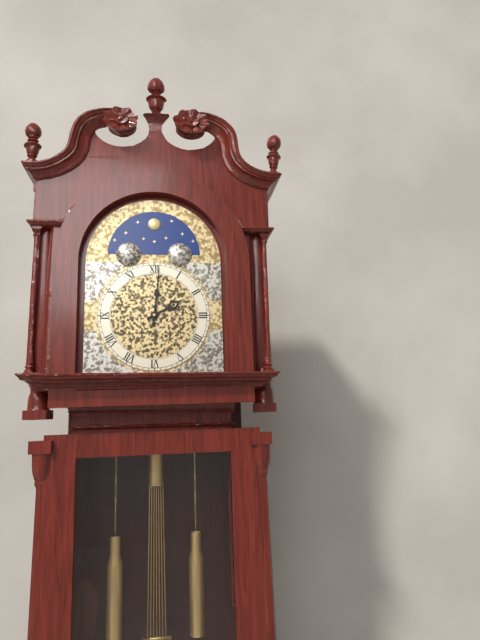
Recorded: h=2 m=1
